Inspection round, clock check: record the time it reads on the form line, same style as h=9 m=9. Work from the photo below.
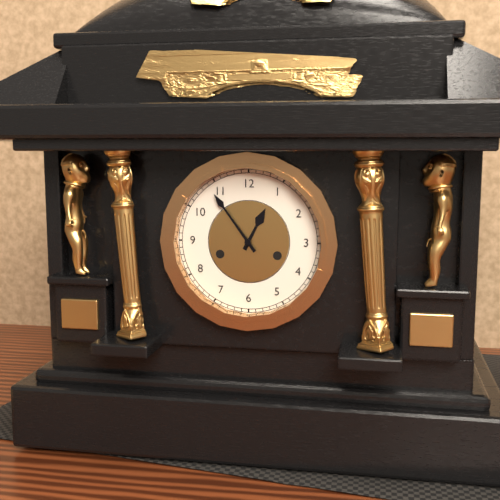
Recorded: h=12 m=54
